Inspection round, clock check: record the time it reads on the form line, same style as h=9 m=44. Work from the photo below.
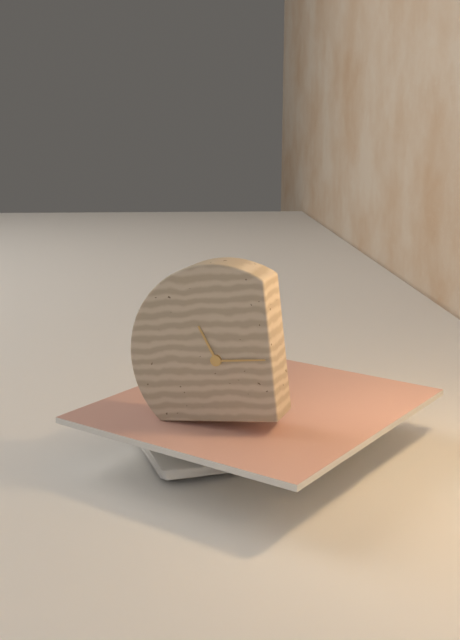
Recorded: h=11 m=15
